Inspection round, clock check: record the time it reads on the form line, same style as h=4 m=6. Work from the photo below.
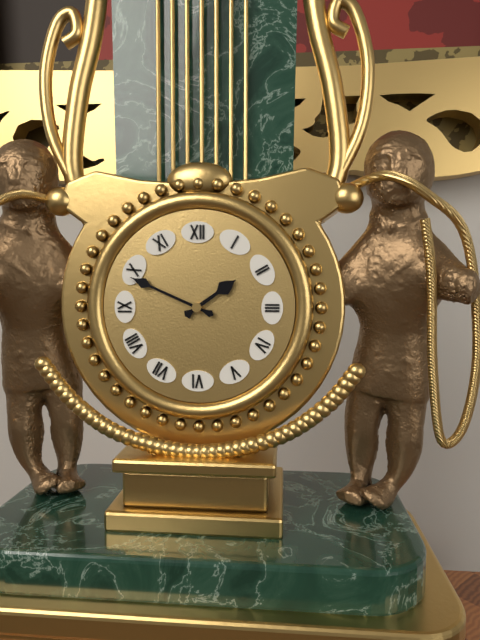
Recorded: h=1 m=49
